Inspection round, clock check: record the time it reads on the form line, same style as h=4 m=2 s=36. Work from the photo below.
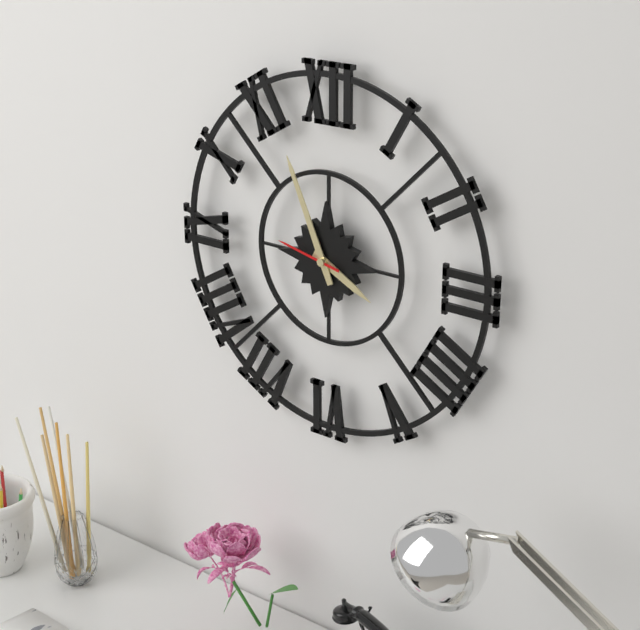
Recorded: h=3 m=56 s=47
